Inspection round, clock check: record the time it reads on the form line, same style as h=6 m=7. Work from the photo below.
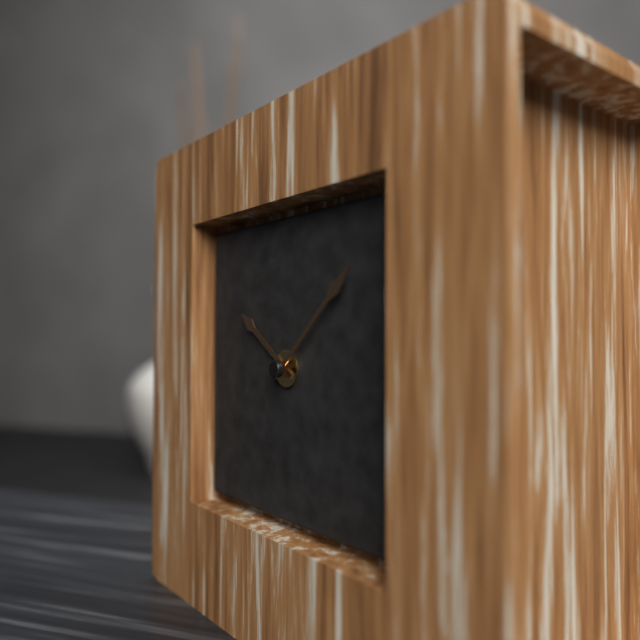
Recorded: h=10 m=8
